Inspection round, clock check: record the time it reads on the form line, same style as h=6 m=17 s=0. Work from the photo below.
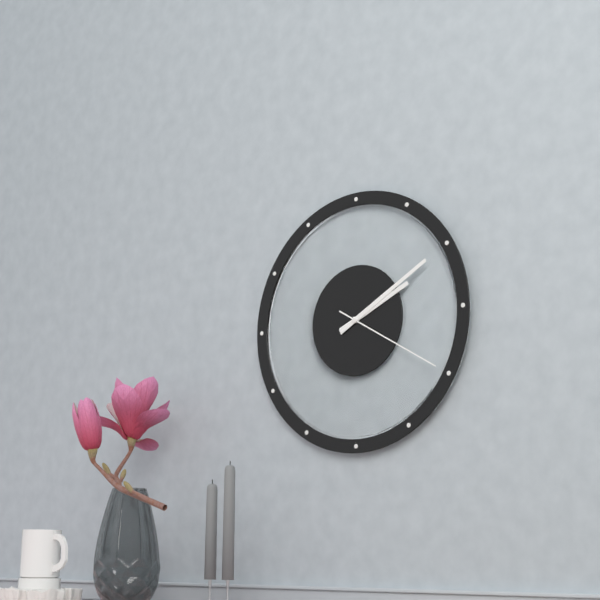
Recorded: h=2 m=10 s=20
